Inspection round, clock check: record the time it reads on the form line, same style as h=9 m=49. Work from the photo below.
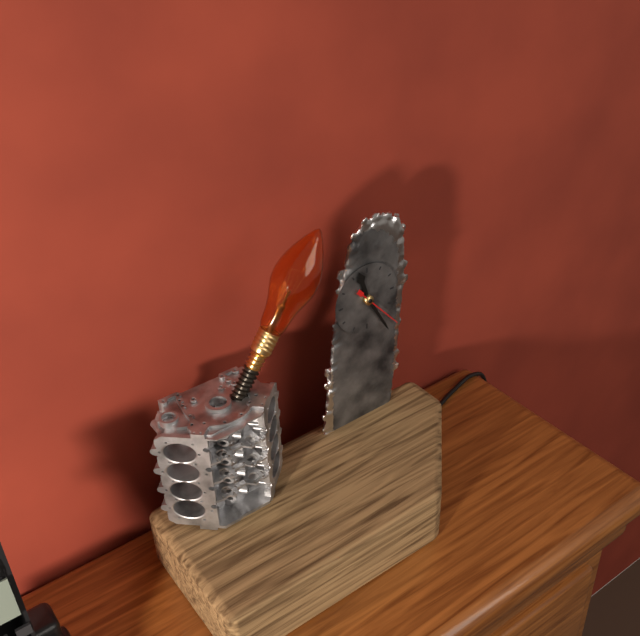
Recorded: h=11 m=25
